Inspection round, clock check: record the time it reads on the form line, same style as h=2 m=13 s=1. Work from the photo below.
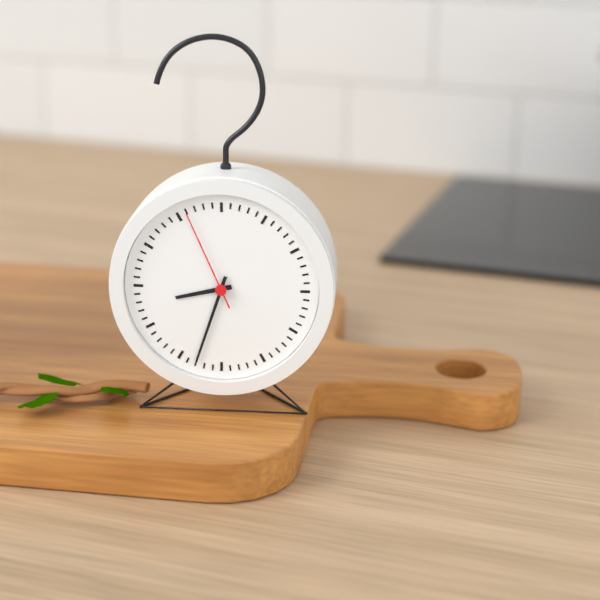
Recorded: h=8 m=33 s=56
